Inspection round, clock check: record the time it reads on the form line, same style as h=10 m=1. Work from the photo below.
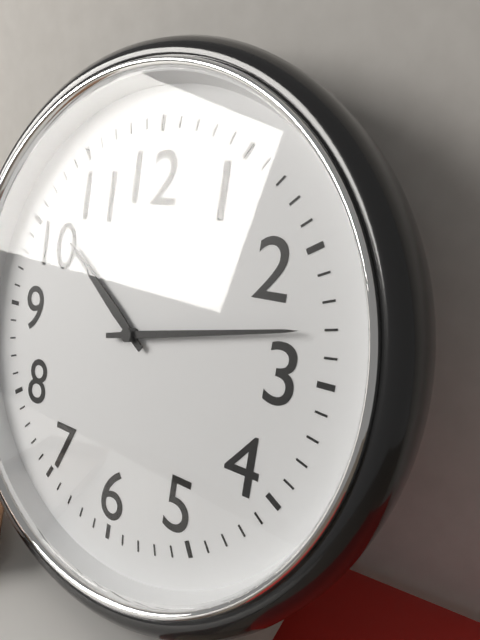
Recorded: h=10 m=13
